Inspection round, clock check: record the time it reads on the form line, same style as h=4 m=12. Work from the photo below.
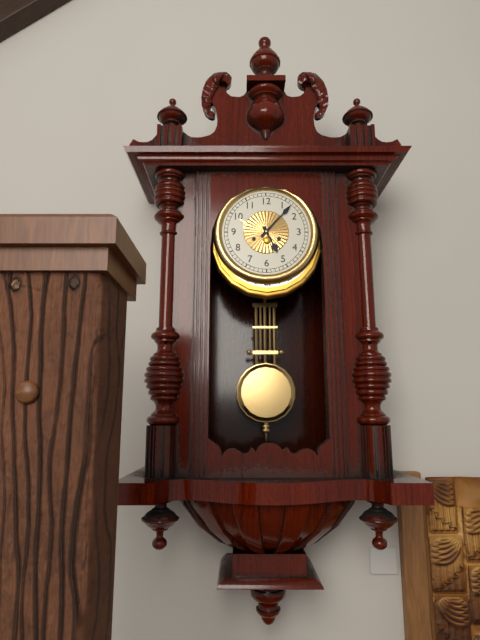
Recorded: h=5 m=7
